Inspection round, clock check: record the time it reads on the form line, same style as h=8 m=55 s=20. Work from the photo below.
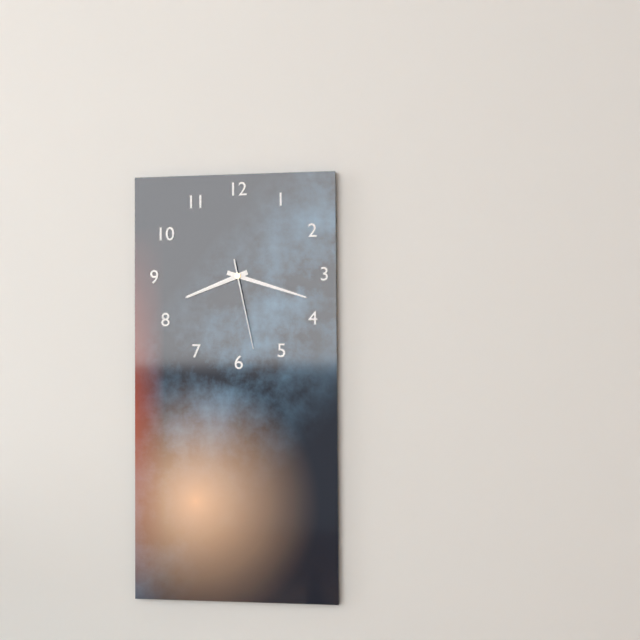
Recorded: h=8 m=18 s=28
